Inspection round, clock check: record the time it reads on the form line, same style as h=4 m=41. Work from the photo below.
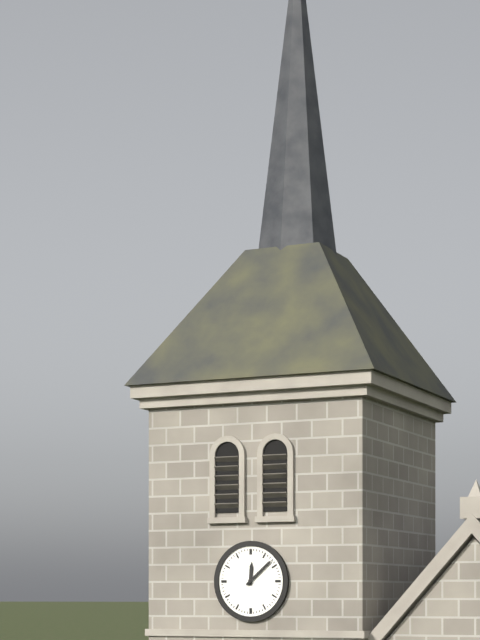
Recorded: h=12 m=8
